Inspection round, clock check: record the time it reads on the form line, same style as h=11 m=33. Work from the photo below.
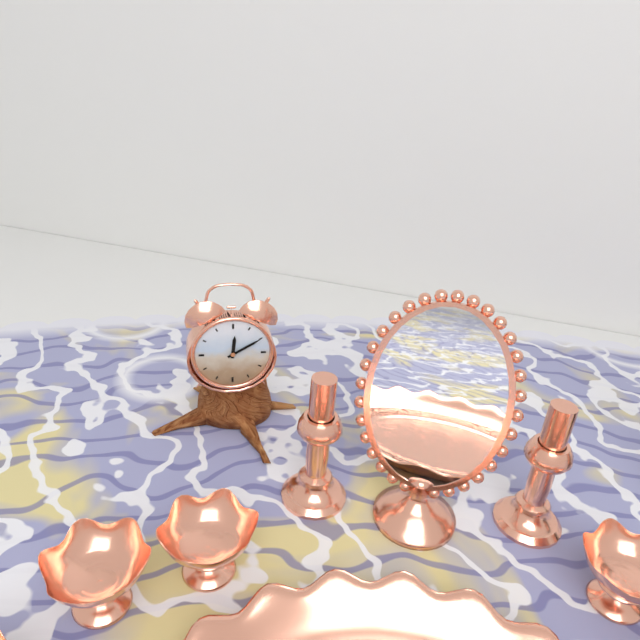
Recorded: h=12 m=10
